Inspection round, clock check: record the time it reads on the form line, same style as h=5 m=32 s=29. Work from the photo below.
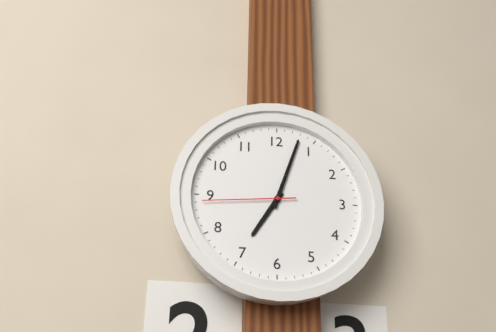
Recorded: h=7 m=3 s=44
